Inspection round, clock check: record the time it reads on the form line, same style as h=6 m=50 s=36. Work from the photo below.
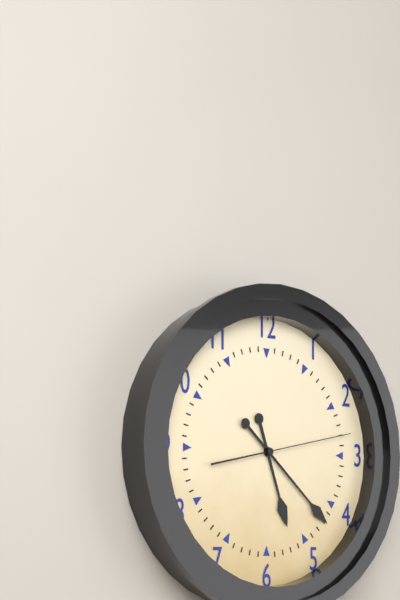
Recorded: h=5 m=22 s=13
